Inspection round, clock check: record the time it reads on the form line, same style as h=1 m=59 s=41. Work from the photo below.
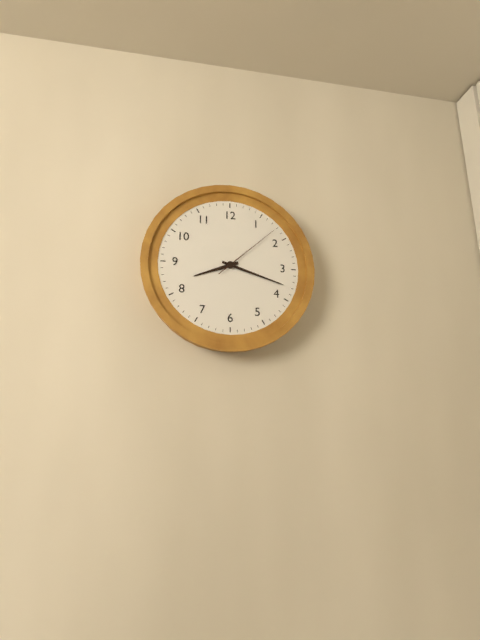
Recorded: h=8 m=18 s=8
